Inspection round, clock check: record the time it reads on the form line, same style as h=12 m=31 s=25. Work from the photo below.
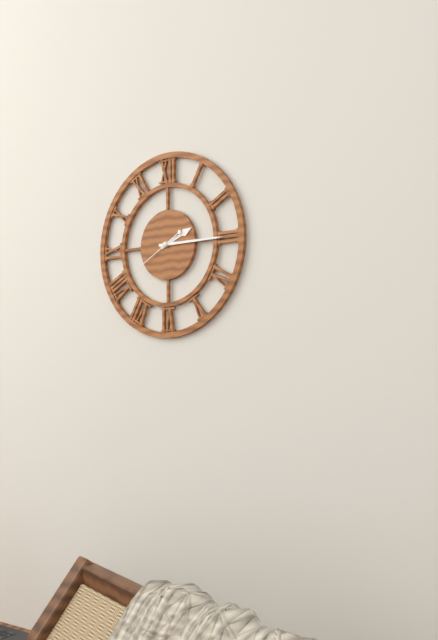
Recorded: h=2 m=15 s=40
